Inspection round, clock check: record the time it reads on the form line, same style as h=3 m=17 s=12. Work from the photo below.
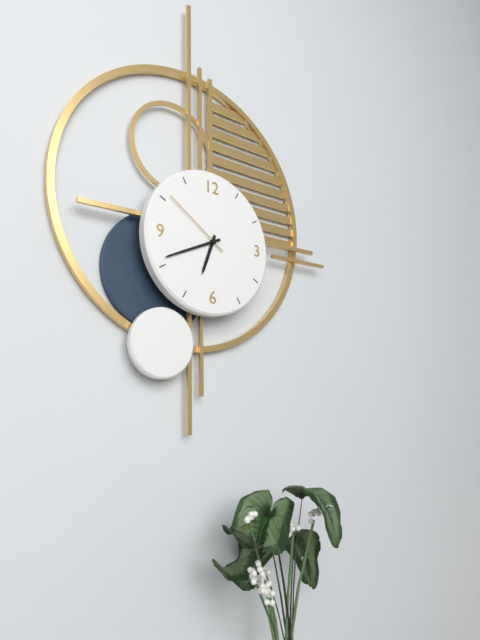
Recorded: h=6 m=41 s=51
